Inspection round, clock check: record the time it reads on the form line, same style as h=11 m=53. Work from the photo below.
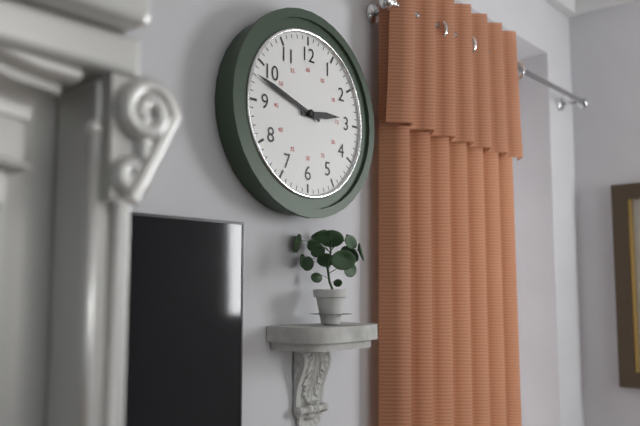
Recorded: h=2 m=48
